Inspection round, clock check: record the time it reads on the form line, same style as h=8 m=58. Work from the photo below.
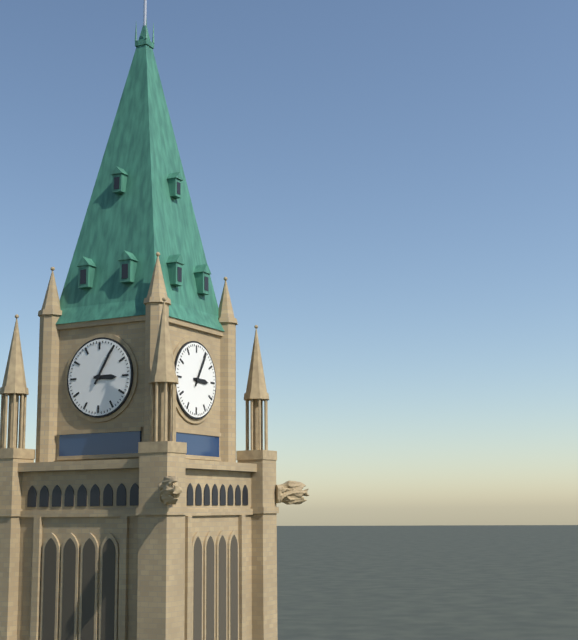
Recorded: h=3 m=5
